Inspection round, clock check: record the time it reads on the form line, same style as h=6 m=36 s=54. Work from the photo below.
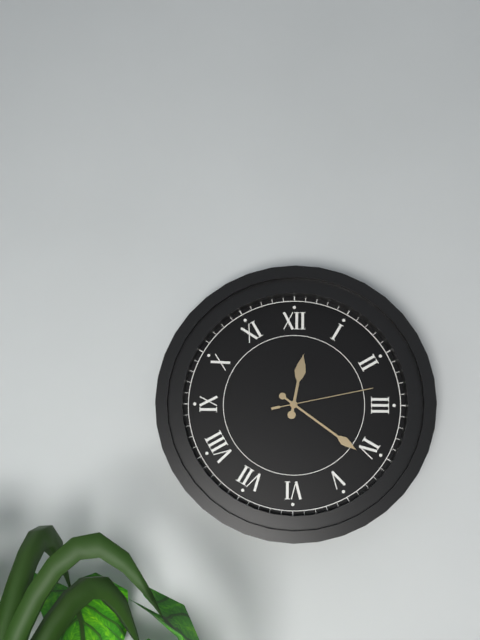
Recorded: h=12 m=21 s=13
